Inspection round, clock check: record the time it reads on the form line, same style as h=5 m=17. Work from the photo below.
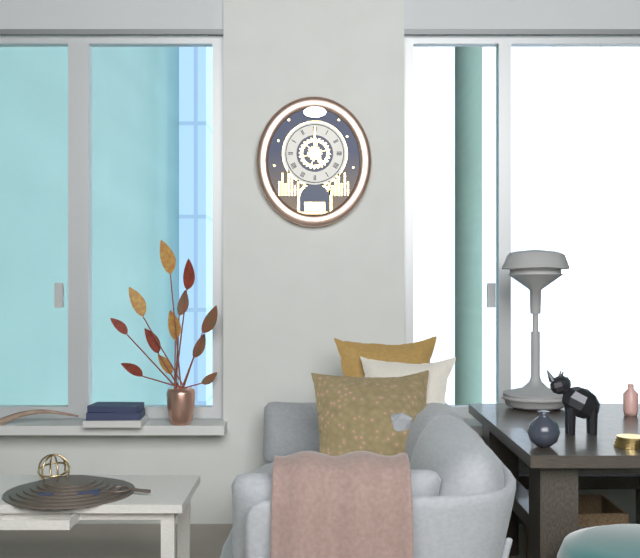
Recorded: h=5 m=0
